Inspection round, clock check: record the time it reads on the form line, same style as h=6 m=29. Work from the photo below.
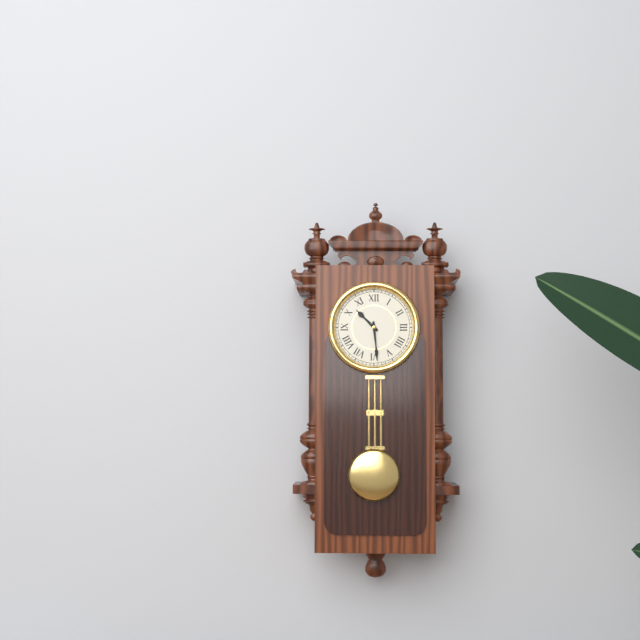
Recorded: h=10 m=29
